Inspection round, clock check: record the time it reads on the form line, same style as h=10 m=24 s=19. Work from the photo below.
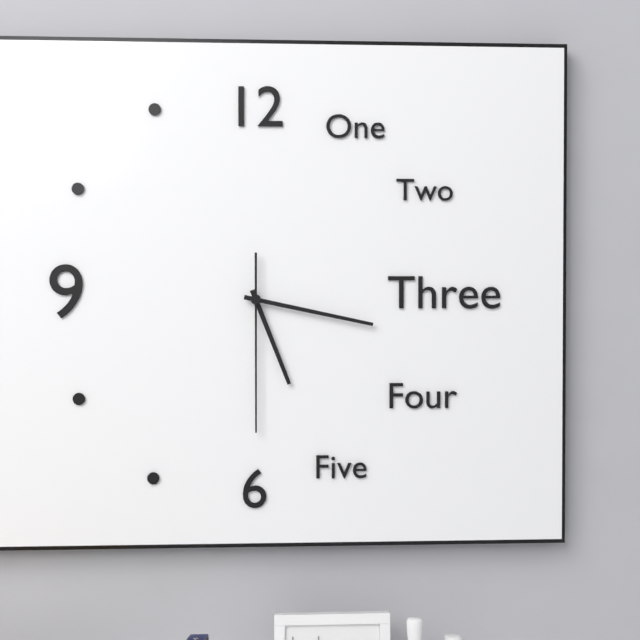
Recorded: h=5 m=17 s=30
